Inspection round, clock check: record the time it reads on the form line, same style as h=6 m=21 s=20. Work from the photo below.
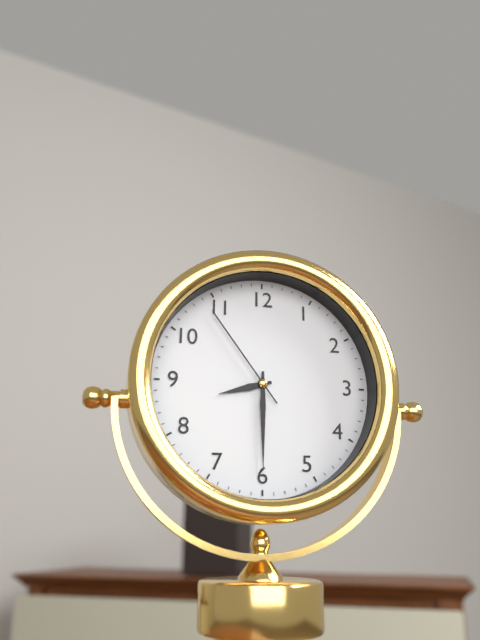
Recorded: h=8 m=30 s=54
